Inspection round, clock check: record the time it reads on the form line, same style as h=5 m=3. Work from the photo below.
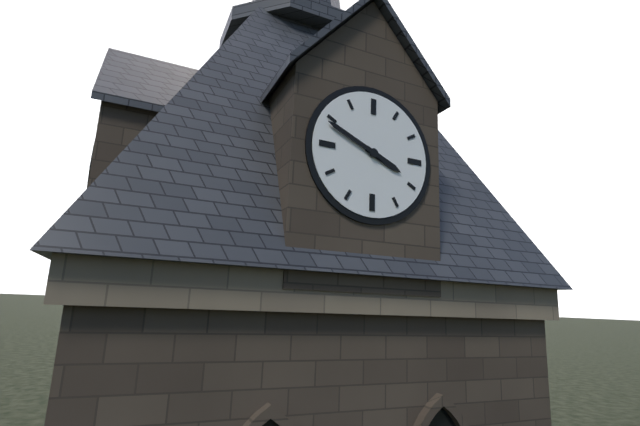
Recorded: h=3 m=49
